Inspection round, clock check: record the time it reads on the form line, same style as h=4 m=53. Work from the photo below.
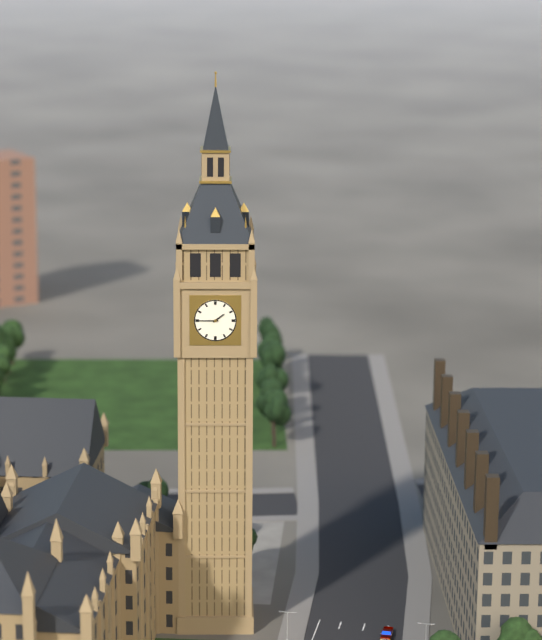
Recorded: h=1 m=45
